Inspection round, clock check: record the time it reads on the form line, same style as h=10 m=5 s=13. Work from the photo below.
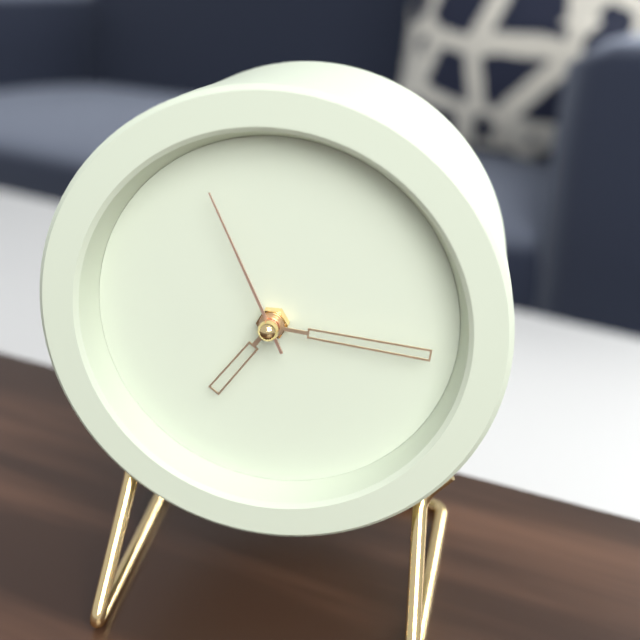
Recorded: h=7 m=16 s=56
